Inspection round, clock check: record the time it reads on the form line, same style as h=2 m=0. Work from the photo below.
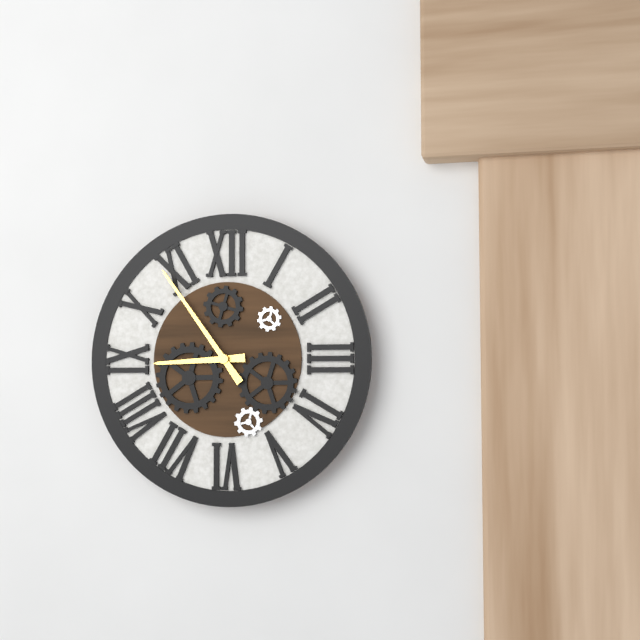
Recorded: h=8 m=54
